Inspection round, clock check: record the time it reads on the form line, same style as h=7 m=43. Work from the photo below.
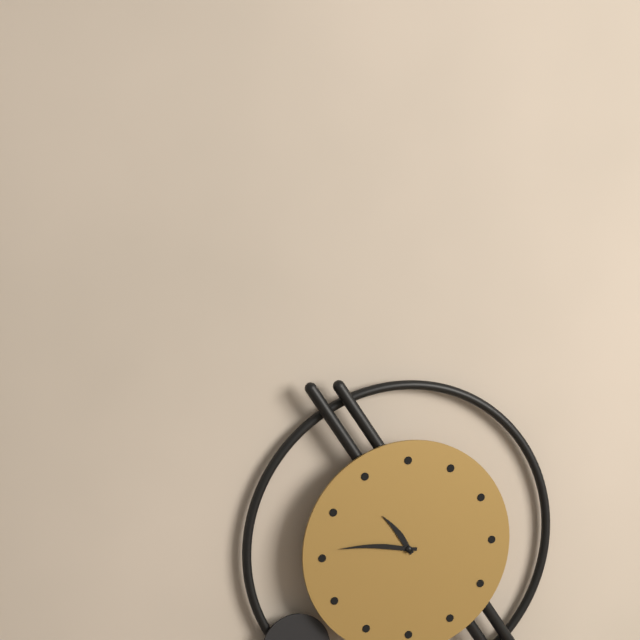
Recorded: h=10 m=46
